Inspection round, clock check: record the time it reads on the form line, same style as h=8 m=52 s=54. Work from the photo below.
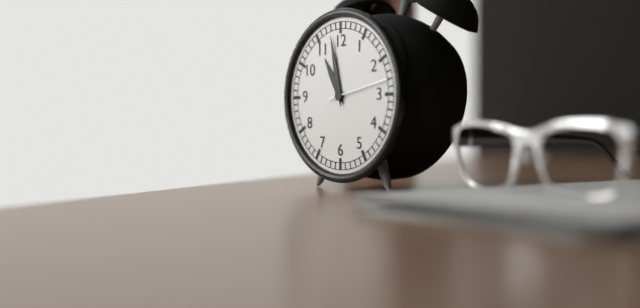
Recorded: h=10 m=58 s=13
